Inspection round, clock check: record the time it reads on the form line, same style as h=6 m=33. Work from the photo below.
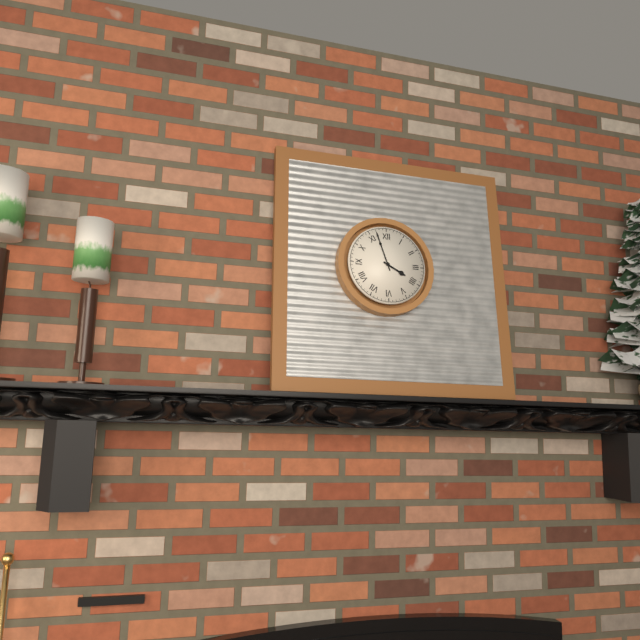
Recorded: h=3 m=57
